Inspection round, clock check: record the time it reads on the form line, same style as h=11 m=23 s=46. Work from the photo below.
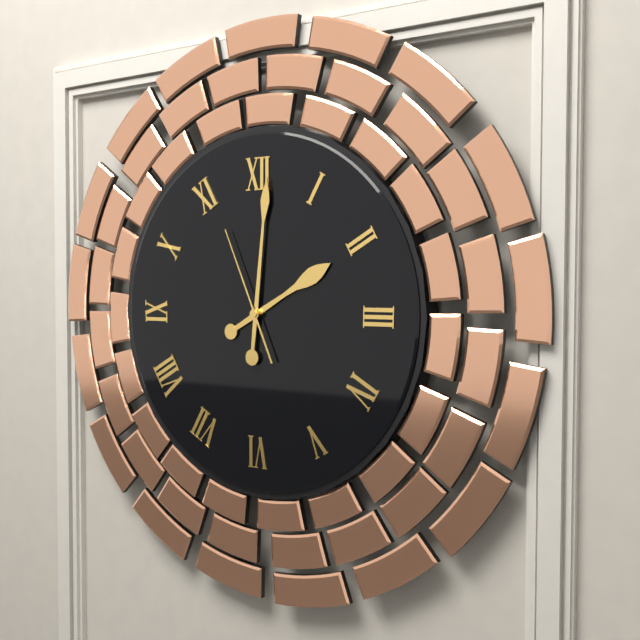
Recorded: h=2 m=1 s=56
